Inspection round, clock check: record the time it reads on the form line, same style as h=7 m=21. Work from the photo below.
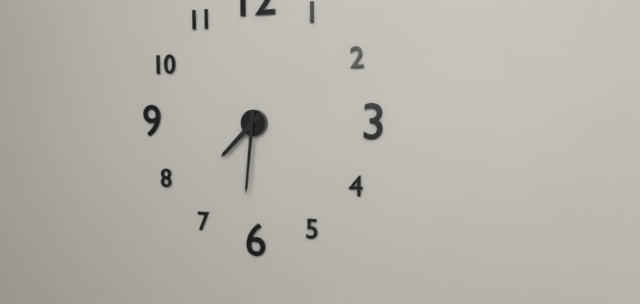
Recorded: h=7 m=31
